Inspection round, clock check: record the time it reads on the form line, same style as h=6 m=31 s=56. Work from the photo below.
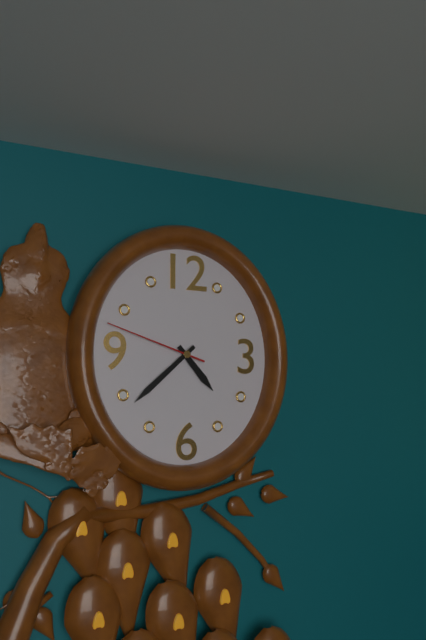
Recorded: h=4 m=38 s=48
